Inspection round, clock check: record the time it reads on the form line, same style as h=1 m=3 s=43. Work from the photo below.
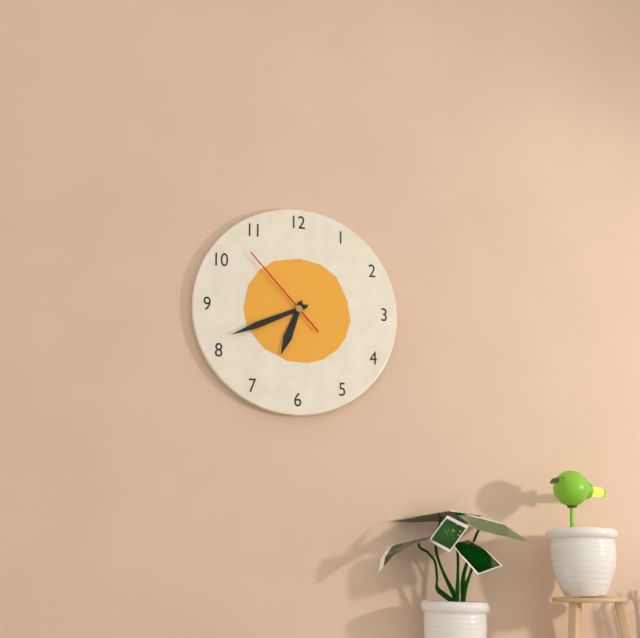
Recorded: h=6 m=41 s=53
